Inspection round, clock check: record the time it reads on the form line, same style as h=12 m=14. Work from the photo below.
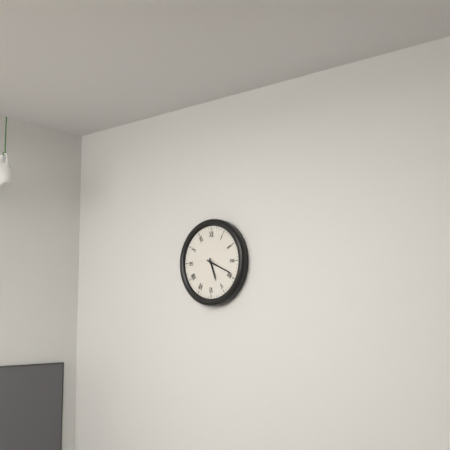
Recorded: h=5 m=19
